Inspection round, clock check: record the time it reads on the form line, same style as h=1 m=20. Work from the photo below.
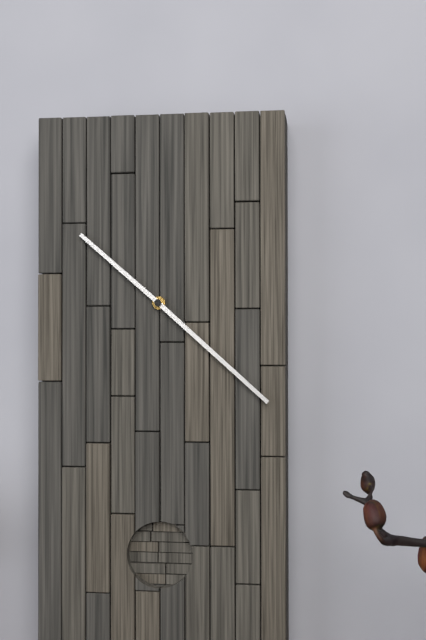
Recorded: h=10 m=22
